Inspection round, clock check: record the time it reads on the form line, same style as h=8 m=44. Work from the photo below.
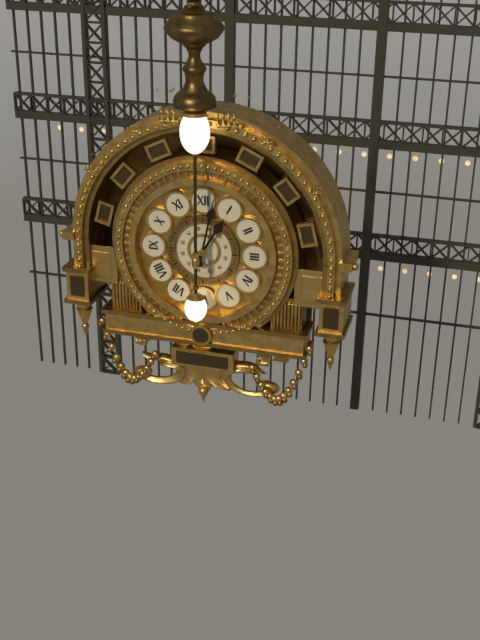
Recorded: h=1 m=2
